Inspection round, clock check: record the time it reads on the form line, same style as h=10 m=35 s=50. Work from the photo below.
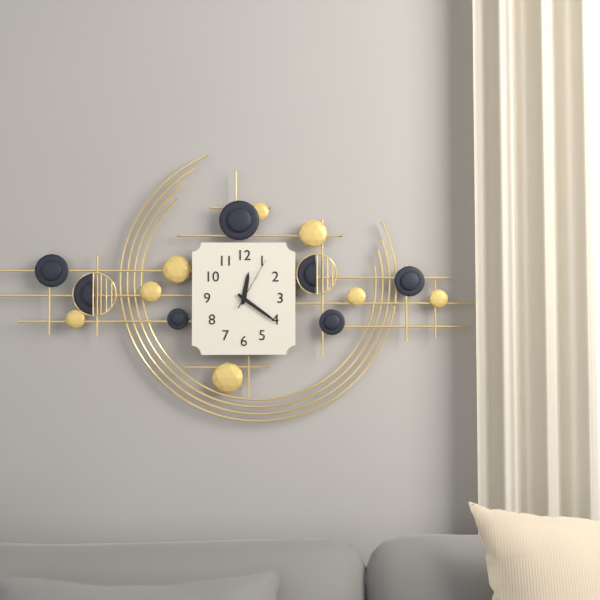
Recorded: h=12 m=21 s=5
